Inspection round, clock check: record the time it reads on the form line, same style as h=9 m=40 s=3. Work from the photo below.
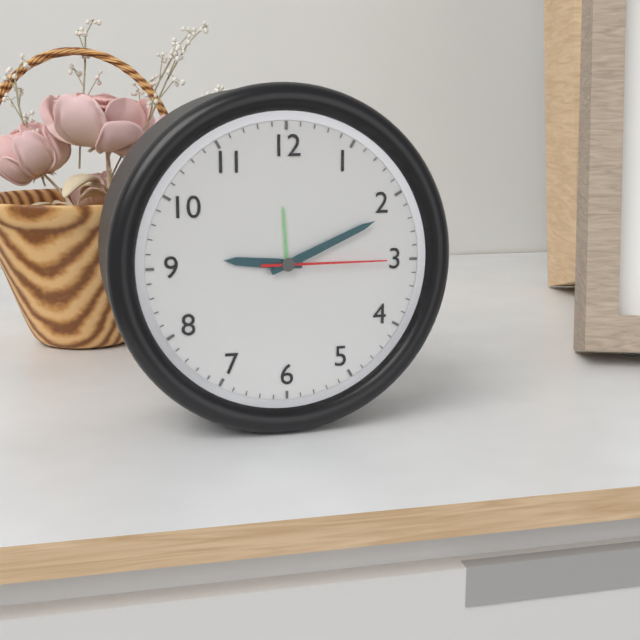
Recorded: h=9 m=11 s=15
